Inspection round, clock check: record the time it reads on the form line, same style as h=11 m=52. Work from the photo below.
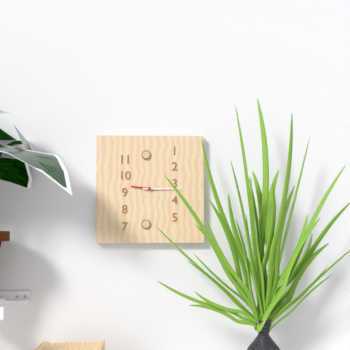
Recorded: h=9 m=15
